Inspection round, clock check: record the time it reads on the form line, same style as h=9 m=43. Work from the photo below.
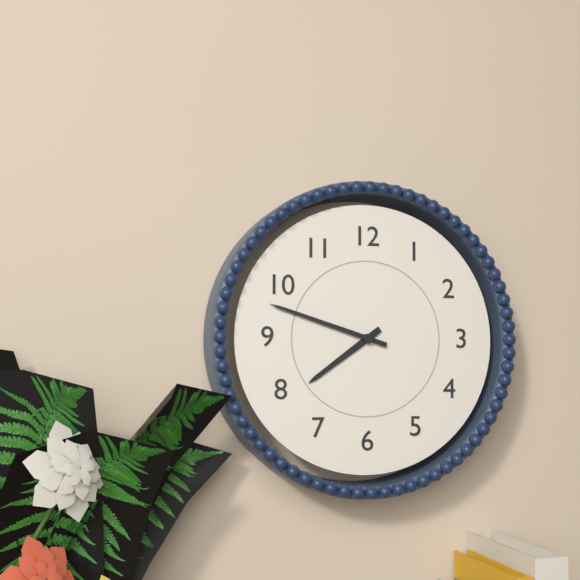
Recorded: h=7 m=48
